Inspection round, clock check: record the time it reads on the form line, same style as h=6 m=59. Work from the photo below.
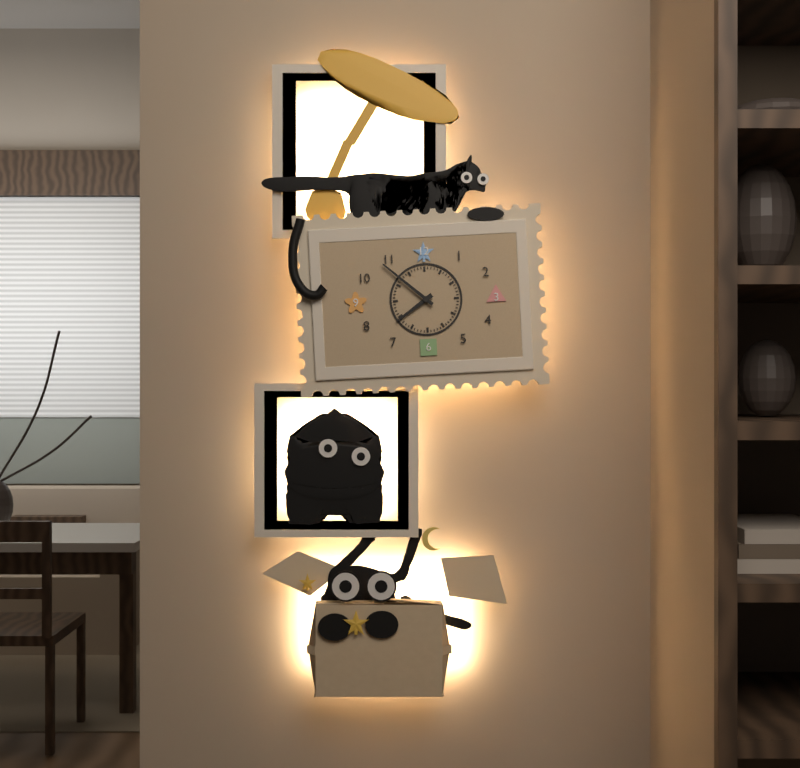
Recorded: h=7 m=52
